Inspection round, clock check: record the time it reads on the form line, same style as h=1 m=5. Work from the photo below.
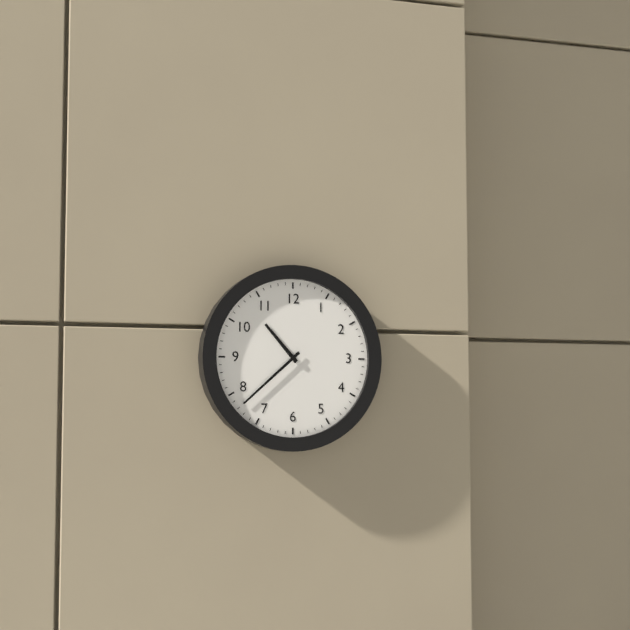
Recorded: h=10 m=38
